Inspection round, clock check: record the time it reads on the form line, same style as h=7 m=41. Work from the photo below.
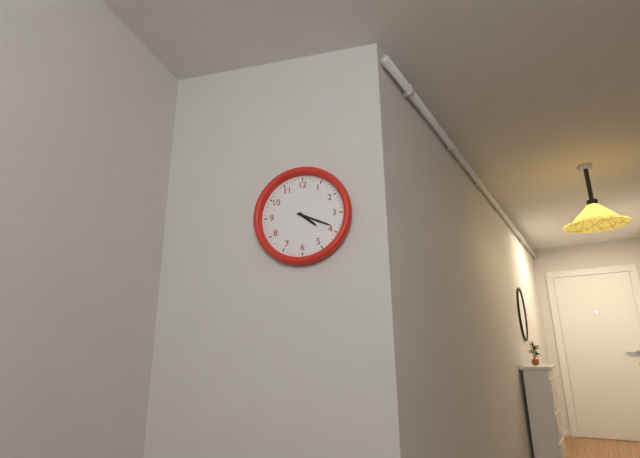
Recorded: h=4 m=19
